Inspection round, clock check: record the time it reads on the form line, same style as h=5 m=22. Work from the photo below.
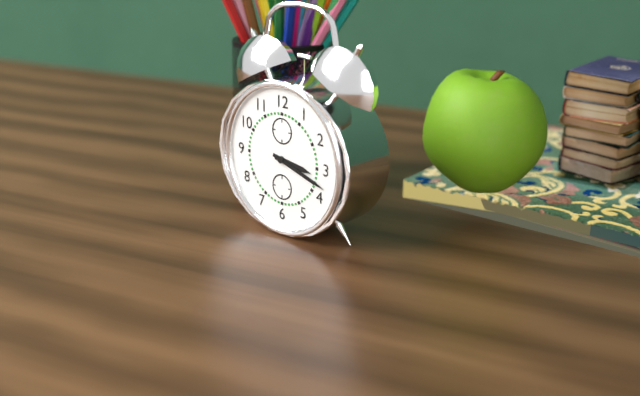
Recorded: h=3 m=18
